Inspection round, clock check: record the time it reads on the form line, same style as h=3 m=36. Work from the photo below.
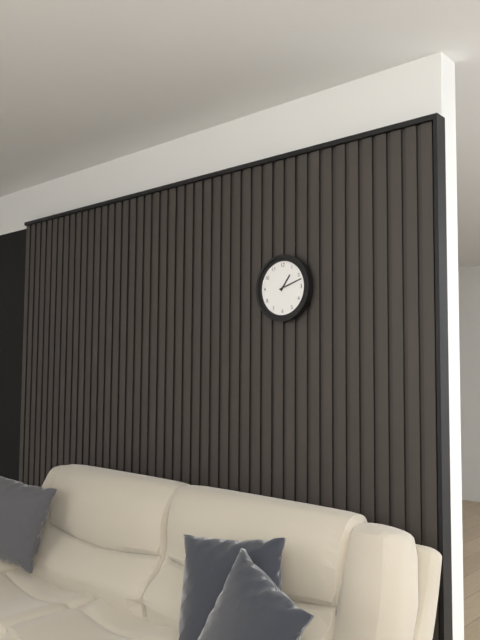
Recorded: h=1 m=12
